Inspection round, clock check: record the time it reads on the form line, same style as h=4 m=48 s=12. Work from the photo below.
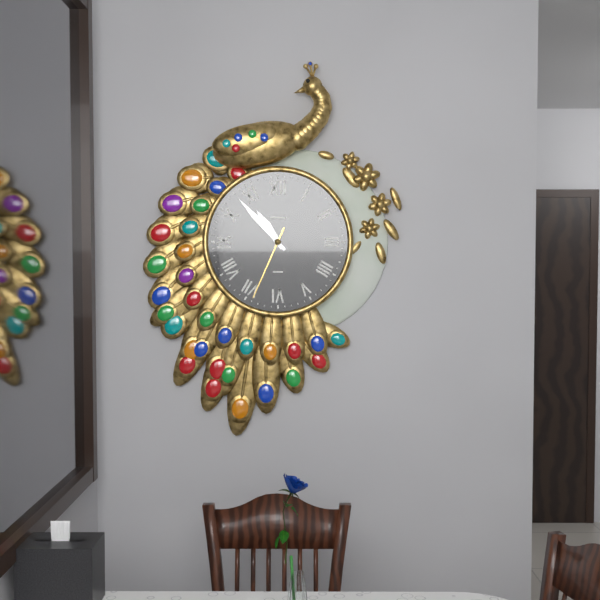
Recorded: h=10 m=53 s=34
